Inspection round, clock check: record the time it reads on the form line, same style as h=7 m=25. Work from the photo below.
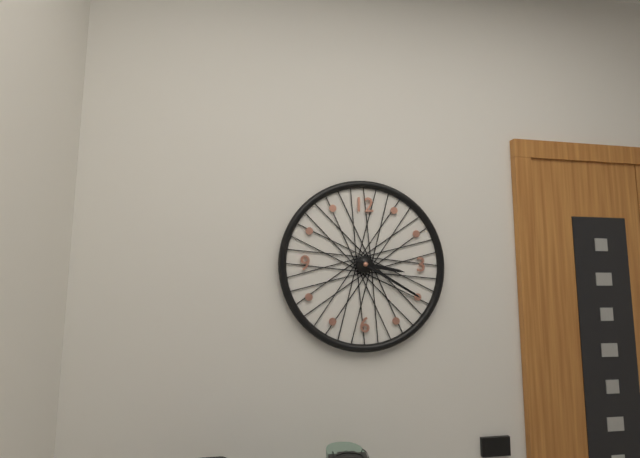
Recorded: h=3 m=20
